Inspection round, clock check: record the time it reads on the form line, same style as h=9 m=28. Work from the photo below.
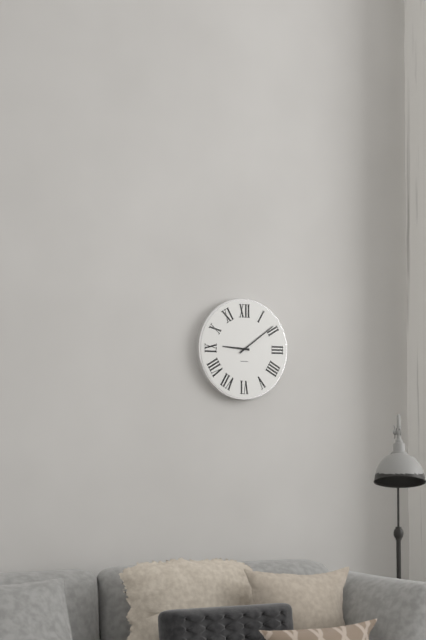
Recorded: h=9 m=9
